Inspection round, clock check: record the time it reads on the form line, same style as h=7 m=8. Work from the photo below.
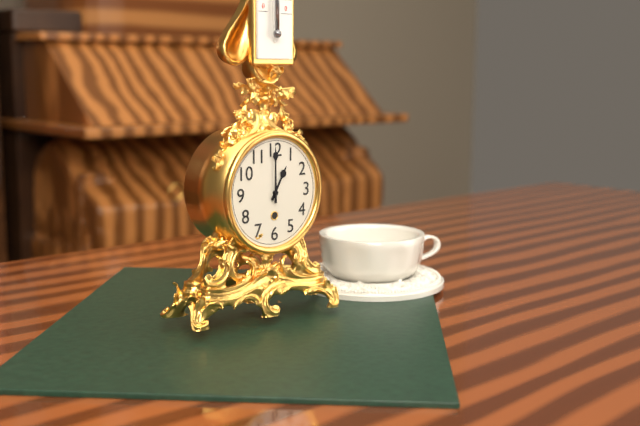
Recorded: h=1 m=0
